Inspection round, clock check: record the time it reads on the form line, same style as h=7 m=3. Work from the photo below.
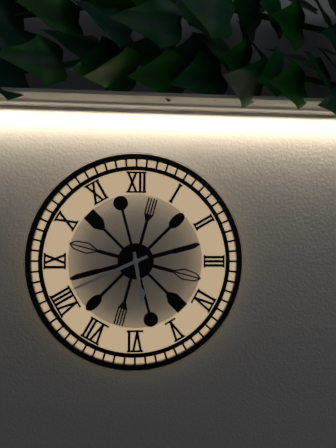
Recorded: h=5 m=41
